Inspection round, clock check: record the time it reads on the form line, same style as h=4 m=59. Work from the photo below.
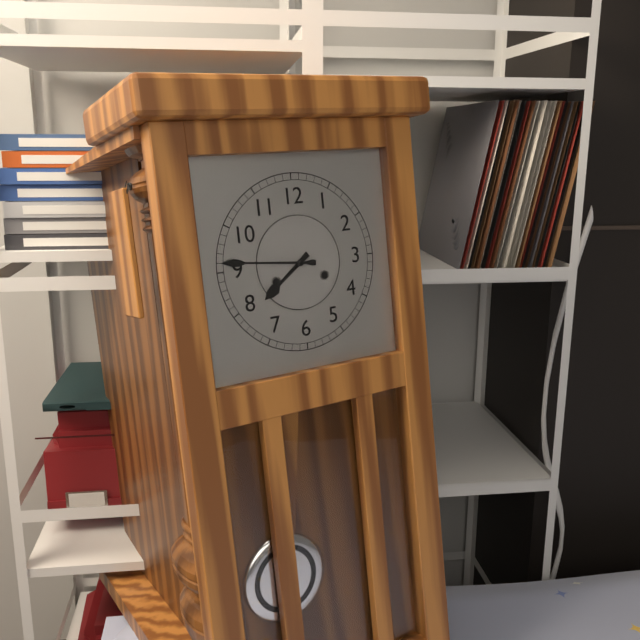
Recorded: h=7 m=46
